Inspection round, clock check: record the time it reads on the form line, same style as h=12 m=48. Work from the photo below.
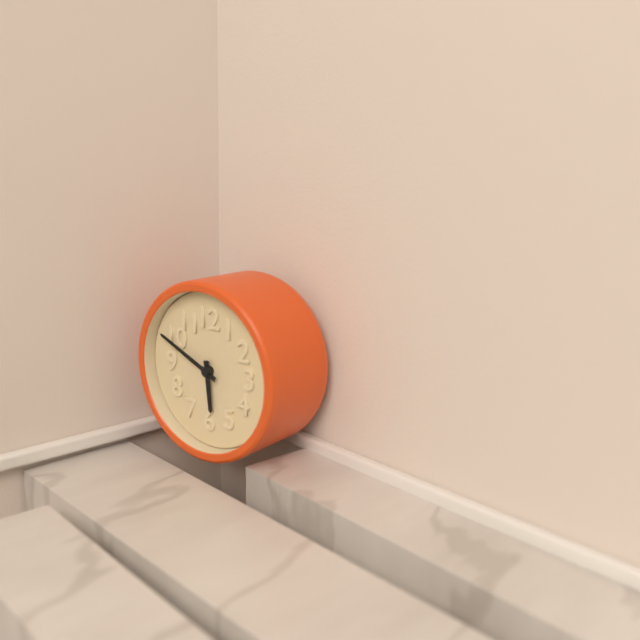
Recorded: h=5 m=49
